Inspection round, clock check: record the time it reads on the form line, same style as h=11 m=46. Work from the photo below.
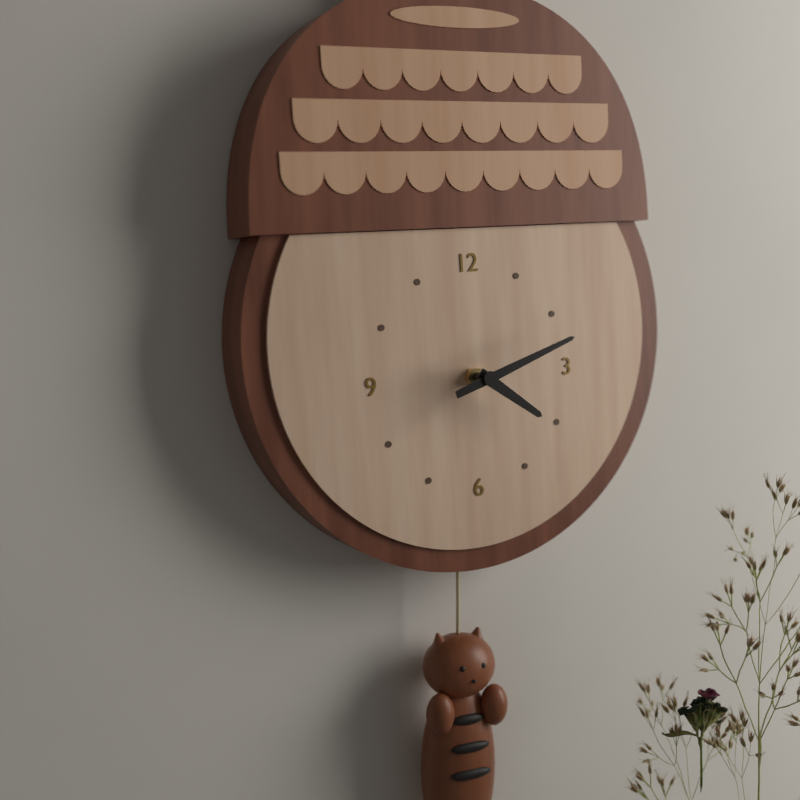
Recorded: h=4 m=12
